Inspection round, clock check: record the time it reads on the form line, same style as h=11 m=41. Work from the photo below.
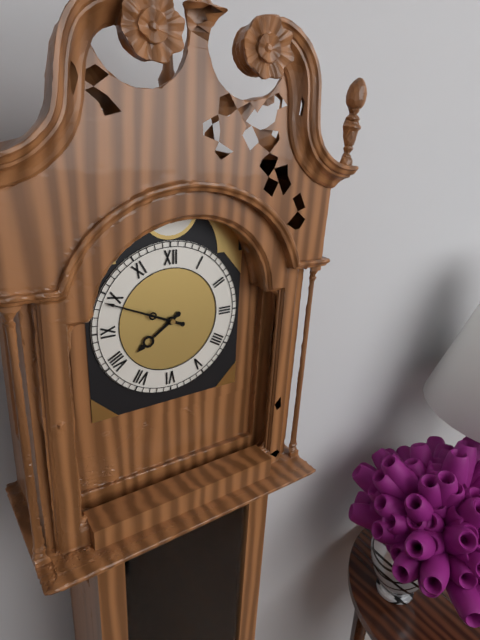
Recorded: h=7 m=49
